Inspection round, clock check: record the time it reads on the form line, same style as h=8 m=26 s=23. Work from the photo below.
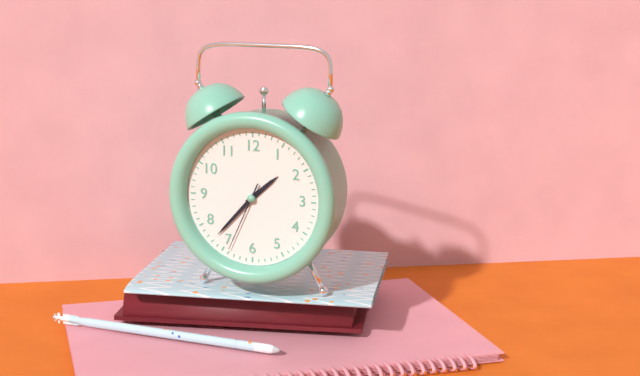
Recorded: h=1 m=37 s=34
